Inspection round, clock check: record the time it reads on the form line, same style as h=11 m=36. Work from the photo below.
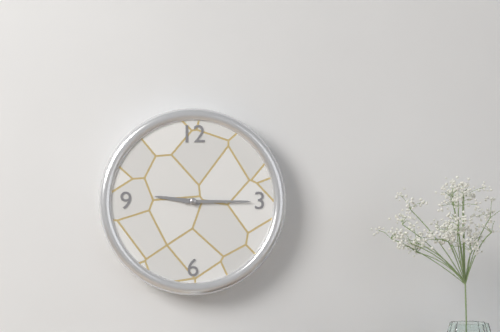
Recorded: h=9 m=15
